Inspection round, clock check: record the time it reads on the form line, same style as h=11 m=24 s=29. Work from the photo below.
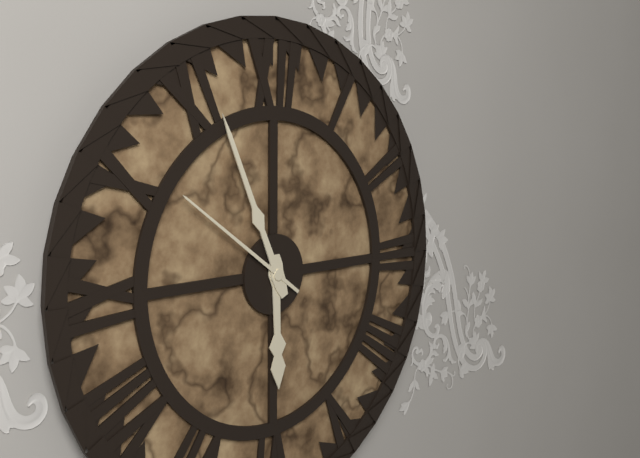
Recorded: h=5 m=56 s=51
